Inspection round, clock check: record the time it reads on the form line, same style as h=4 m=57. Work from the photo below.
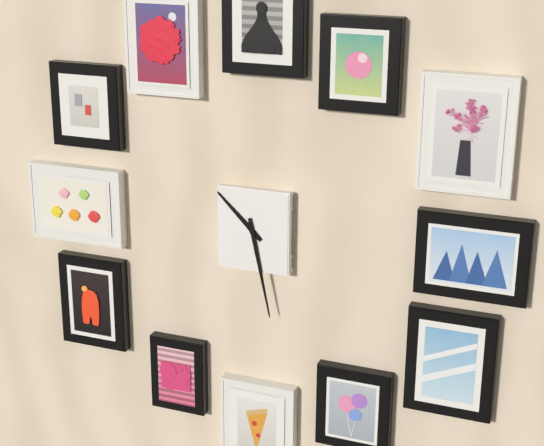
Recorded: h=10 m=28
